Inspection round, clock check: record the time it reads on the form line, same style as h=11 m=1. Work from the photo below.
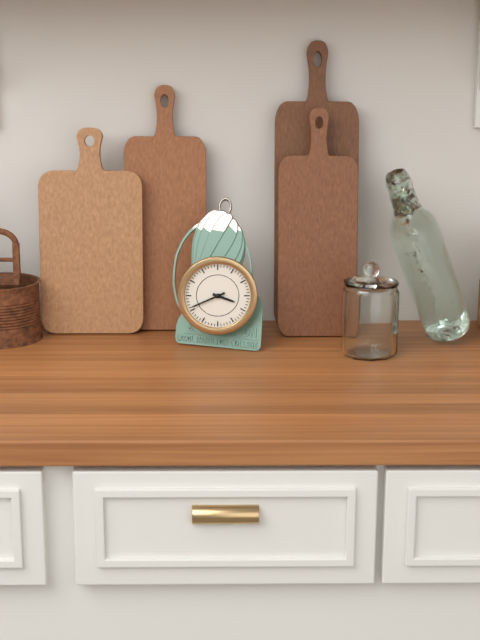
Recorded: h=3 m=41
